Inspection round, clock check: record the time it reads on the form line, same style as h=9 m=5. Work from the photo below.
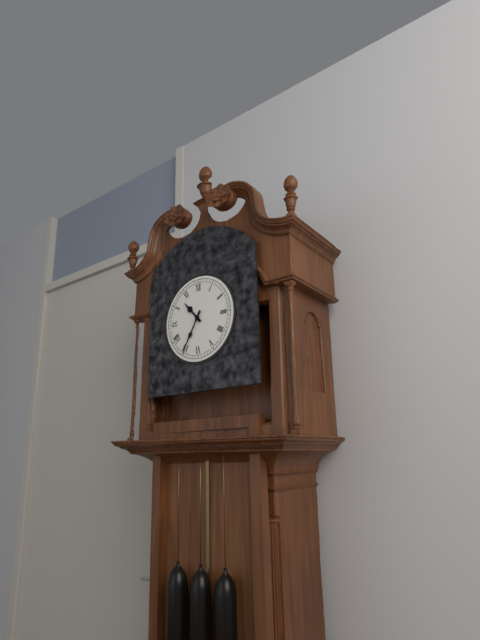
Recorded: h=10 m=35
